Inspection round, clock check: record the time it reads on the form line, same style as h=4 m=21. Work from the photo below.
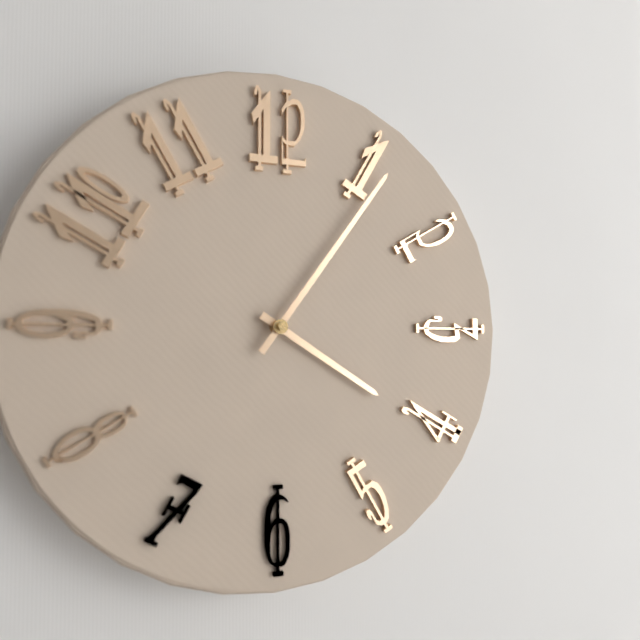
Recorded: h=4 m=6
